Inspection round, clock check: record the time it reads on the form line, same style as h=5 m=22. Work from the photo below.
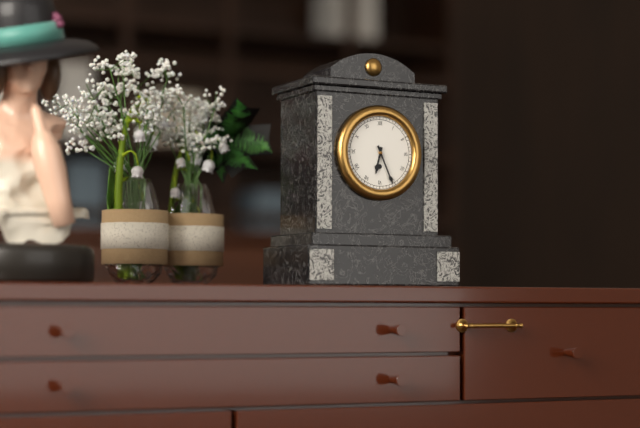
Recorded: h=6 m=26
